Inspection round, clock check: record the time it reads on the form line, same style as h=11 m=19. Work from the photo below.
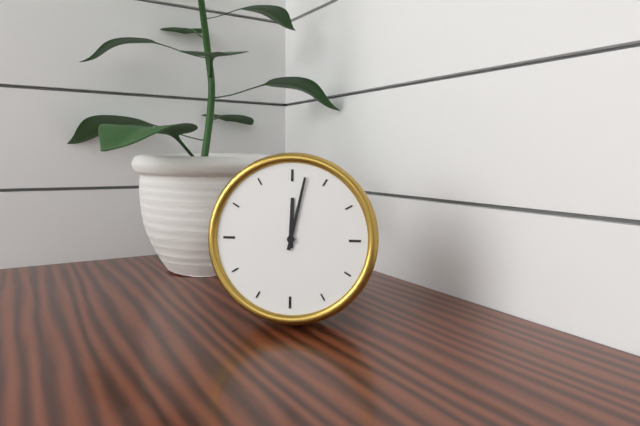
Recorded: h=12 m=2
